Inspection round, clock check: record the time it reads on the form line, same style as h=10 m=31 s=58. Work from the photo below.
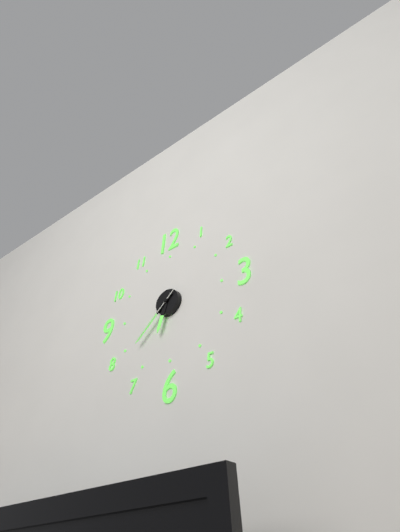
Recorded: h=6 m=38 s=38
